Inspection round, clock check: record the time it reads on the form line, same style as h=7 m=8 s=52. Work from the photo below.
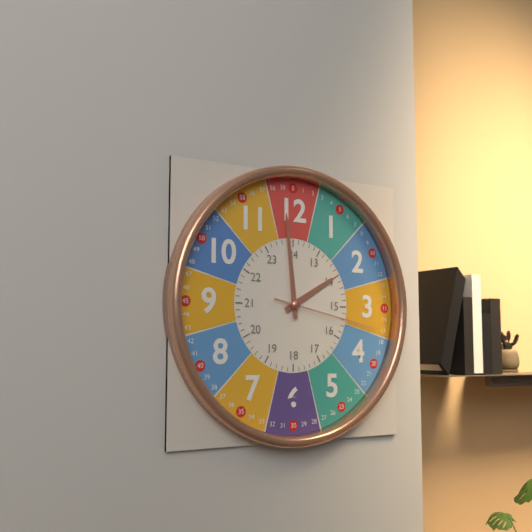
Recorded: h=1 m=59 s=17
